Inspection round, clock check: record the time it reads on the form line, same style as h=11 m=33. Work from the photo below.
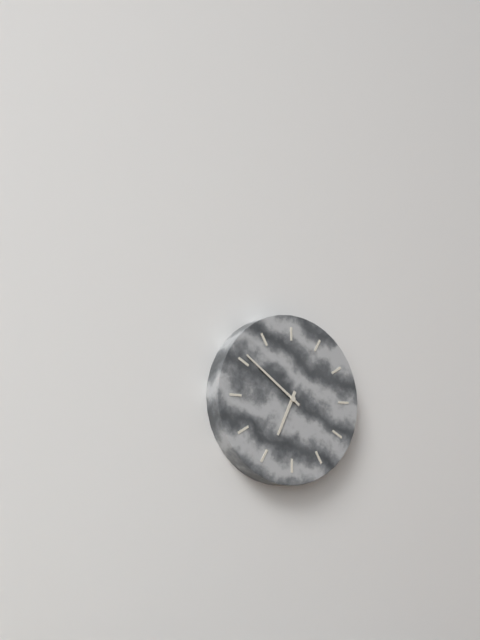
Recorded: h=6 m=51
